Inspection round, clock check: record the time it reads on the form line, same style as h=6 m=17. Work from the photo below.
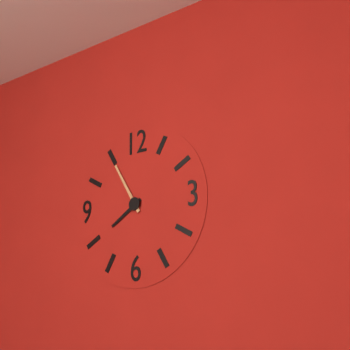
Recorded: h=7 m=55
